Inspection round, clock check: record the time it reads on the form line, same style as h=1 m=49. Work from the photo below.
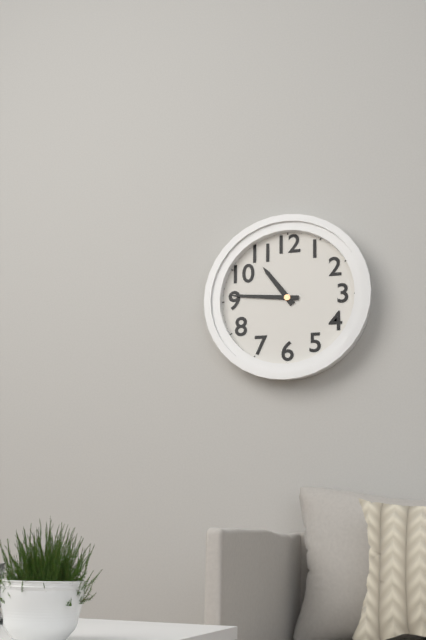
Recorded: h=10 m=46
